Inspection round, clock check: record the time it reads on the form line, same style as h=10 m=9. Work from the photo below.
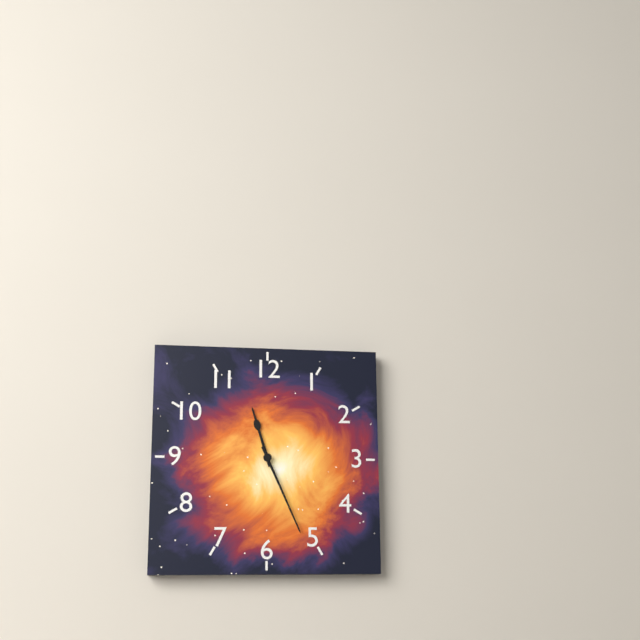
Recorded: h=11 m=26
